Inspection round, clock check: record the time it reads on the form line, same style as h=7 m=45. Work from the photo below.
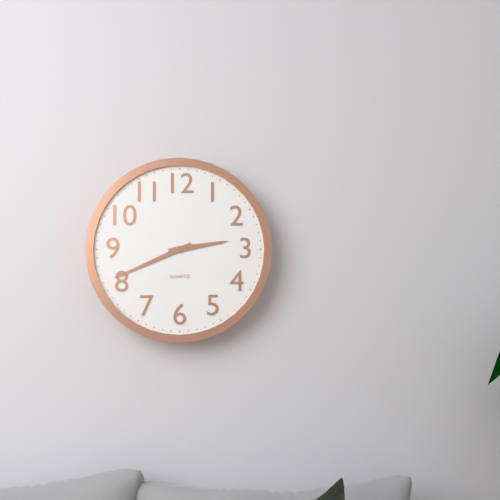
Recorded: h=2 m=41
